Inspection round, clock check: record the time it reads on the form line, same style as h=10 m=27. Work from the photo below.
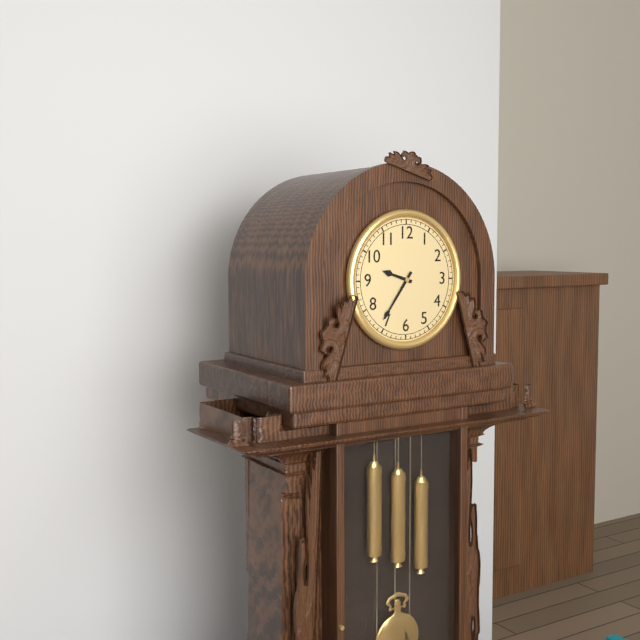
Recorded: h=9 m=36
